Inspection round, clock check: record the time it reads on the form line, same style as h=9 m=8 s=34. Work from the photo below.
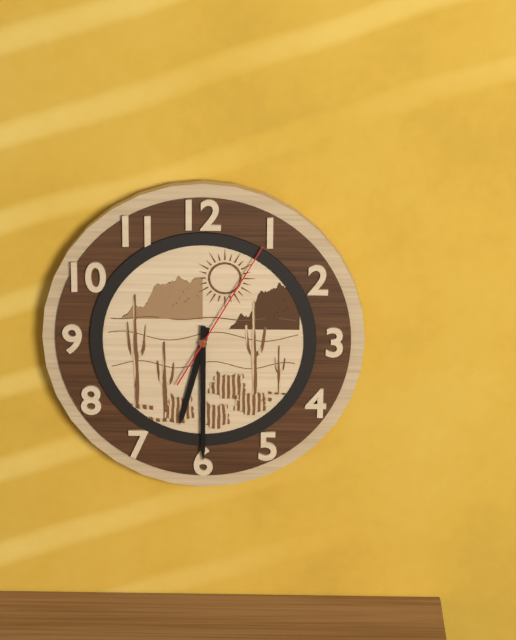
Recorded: h=6 m=30 s=5
